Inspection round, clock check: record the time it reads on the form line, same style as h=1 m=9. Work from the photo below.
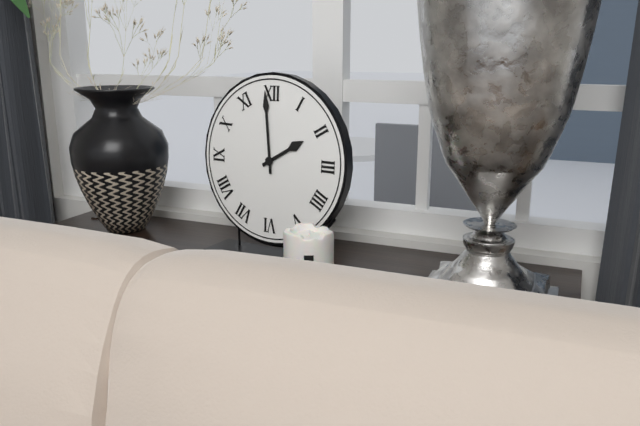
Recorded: h=1 m=59
